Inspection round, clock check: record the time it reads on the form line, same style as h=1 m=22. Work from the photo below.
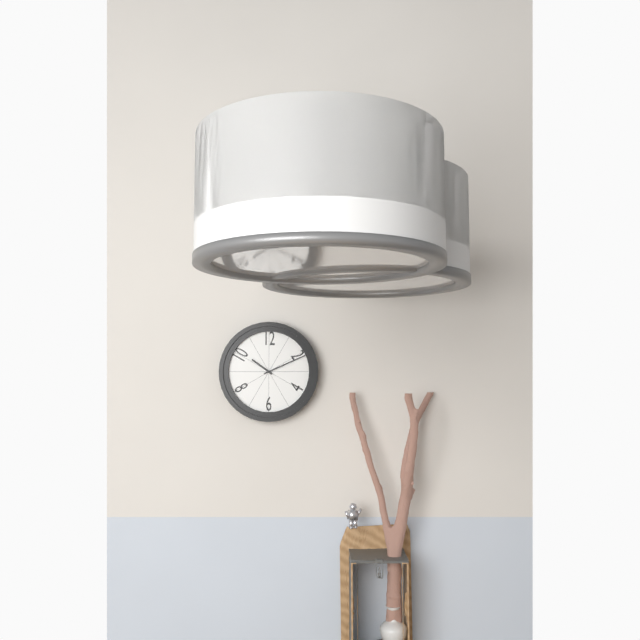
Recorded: h=10 m=11
